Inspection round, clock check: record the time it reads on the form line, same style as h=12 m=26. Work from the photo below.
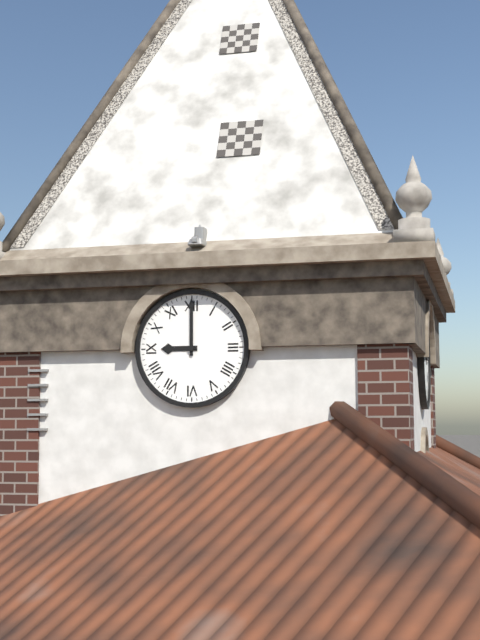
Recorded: h=9 m=0
